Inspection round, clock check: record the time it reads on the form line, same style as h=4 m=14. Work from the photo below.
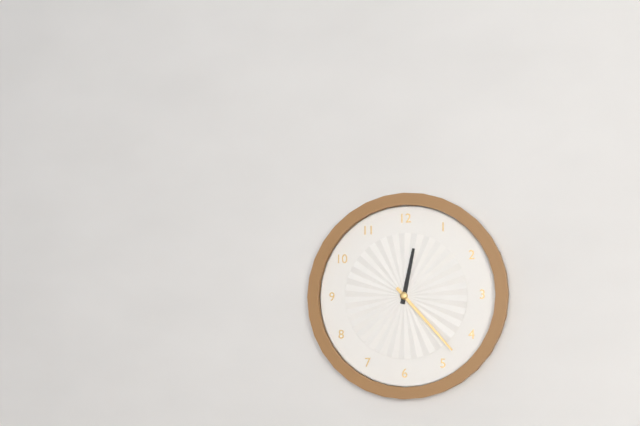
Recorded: h=12 m=23
